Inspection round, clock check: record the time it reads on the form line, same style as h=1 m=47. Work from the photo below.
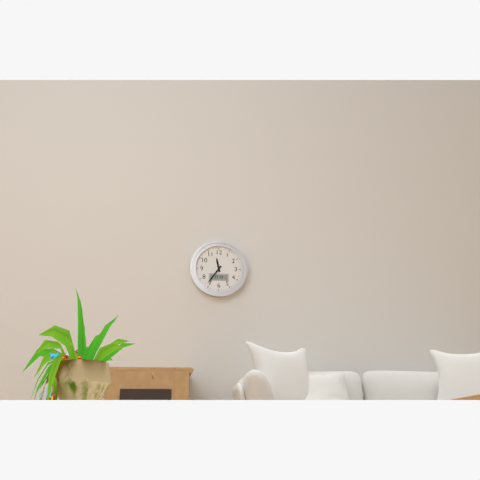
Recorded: h=11 m=36
